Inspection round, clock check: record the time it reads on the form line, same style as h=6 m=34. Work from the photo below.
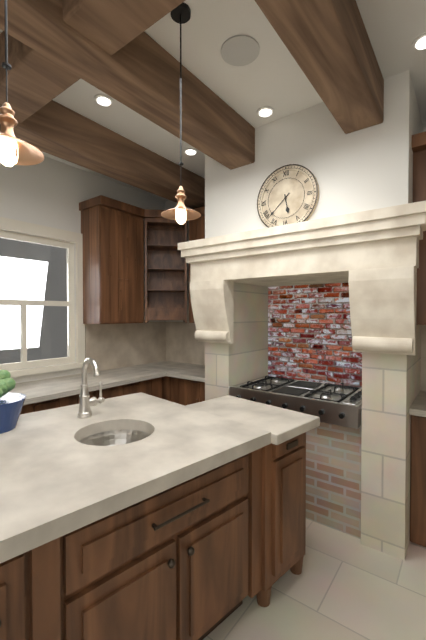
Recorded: h=5 m=38
